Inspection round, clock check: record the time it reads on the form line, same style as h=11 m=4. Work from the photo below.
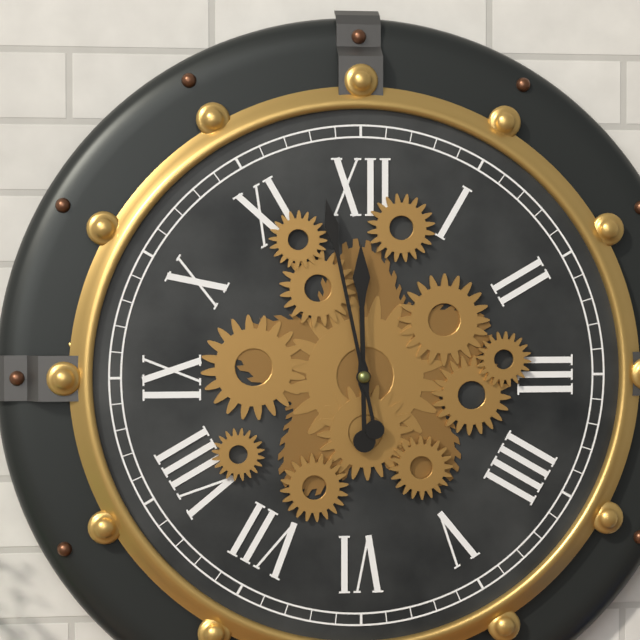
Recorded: h=11 m=58
